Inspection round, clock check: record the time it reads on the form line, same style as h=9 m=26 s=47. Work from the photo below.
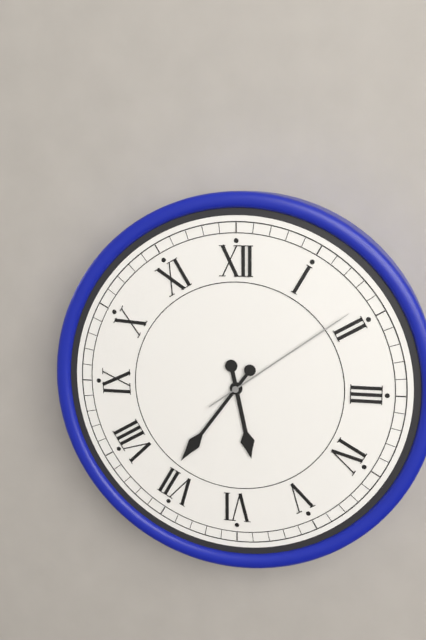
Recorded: h=5 m=36 s=9
